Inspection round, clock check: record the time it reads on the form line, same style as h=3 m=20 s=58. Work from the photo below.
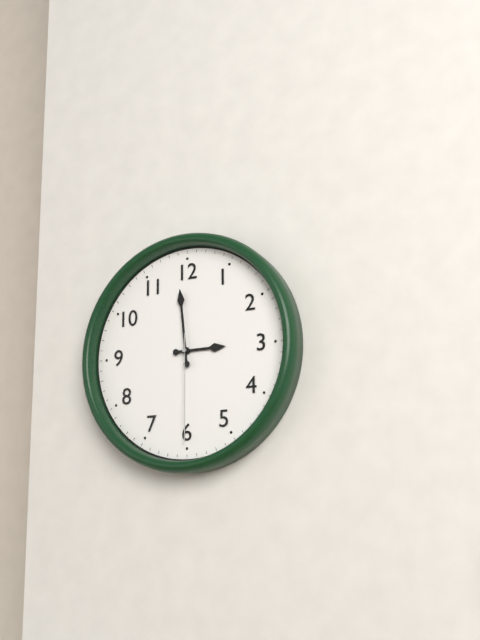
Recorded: h=2 m=59 s=30
